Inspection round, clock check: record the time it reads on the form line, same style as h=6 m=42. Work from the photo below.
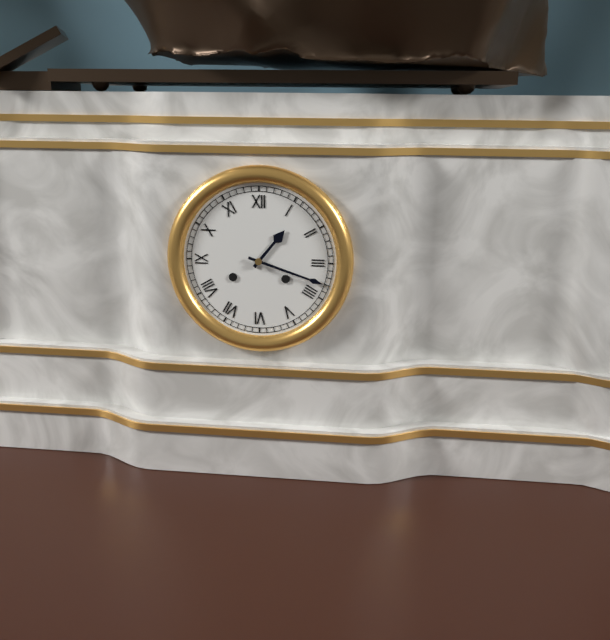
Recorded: h=1 m=18
